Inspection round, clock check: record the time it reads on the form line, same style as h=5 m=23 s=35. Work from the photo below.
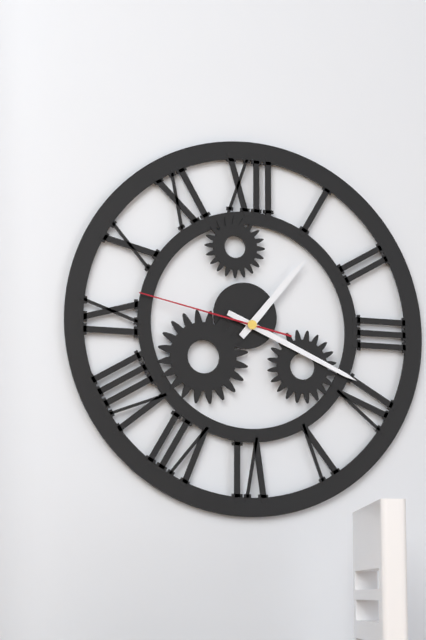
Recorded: h=1 m=19 s=47
